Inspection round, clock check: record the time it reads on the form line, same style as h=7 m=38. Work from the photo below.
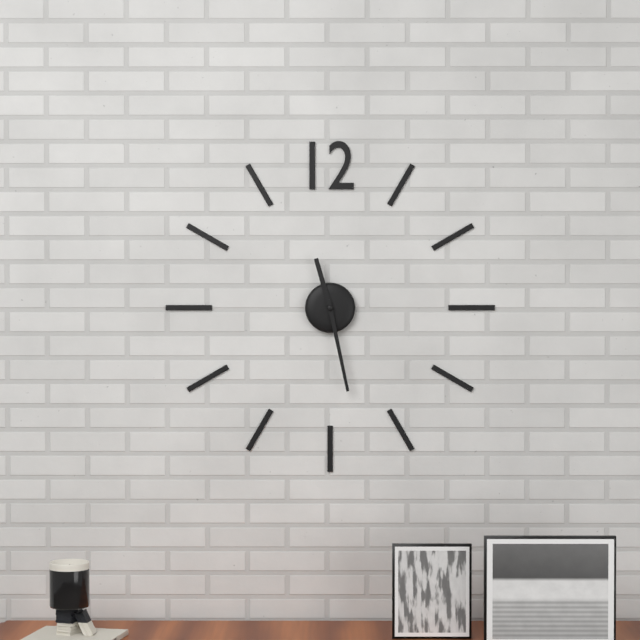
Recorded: h=11 m=28
